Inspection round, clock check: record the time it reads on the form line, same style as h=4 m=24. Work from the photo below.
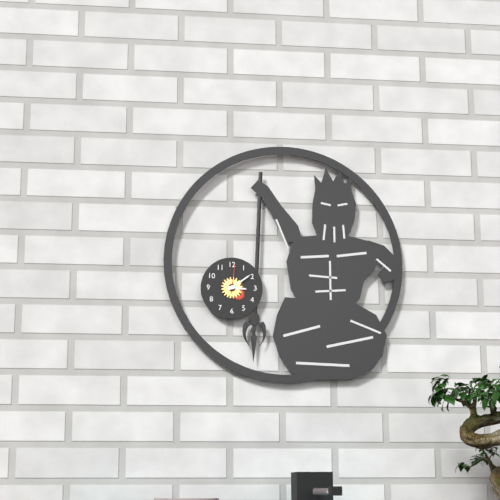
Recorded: h=3 m=9
